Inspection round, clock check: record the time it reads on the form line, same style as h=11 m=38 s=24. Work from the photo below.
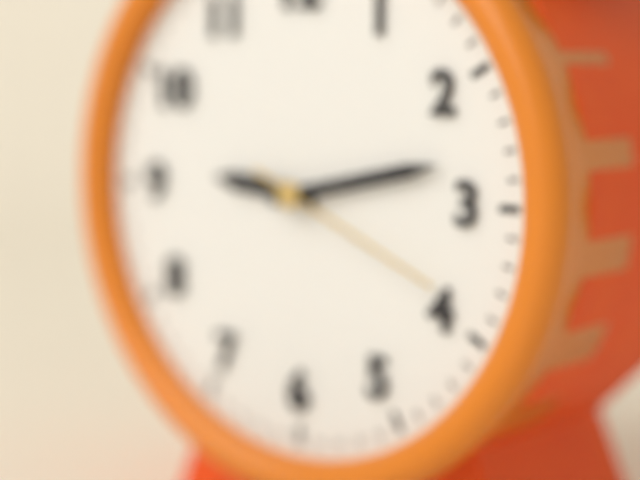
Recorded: h=9 m=13 s=19
